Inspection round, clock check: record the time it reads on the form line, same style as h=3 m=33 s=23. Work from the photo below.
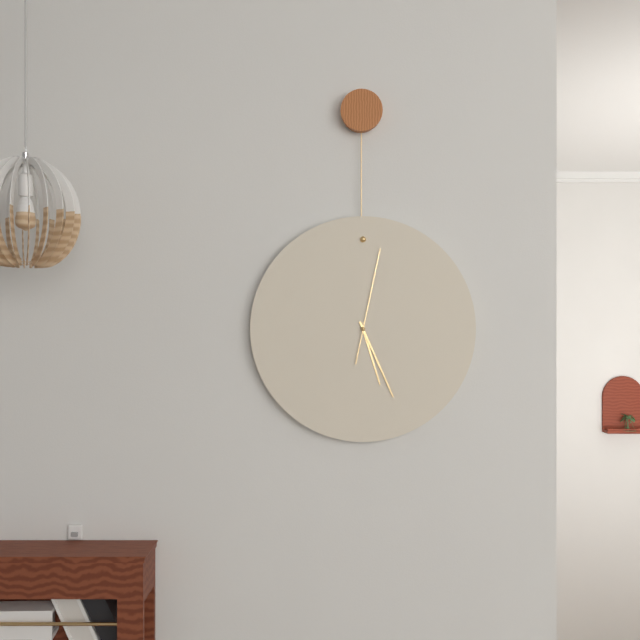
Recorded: h=5 m=26 s=2
